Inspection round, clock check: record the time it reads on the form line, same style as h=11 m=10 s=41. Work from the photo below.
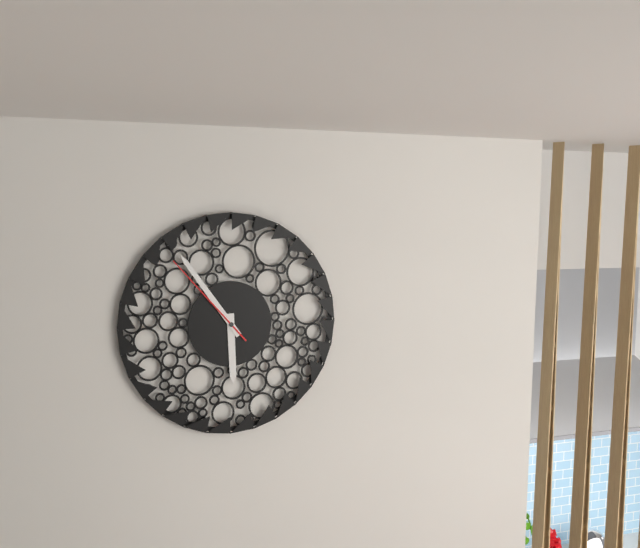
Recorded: h=5 m=54 s=53
